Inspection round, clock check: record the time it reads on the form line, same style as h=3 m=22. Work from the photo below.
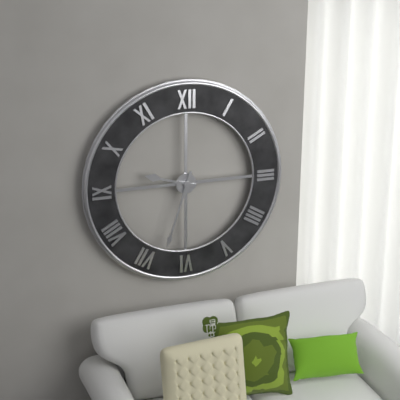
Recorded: h=9 m=33
